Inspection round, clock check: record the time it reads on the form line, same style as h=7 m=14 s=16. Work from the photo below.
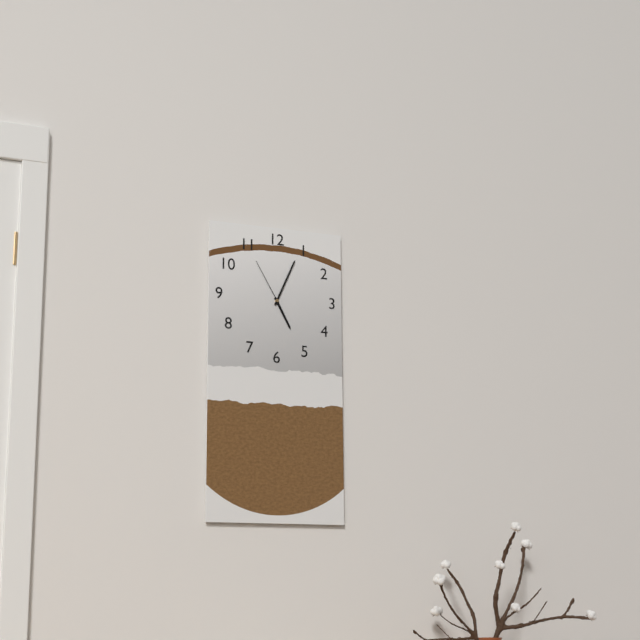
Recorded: h=5 m=4 s=55
